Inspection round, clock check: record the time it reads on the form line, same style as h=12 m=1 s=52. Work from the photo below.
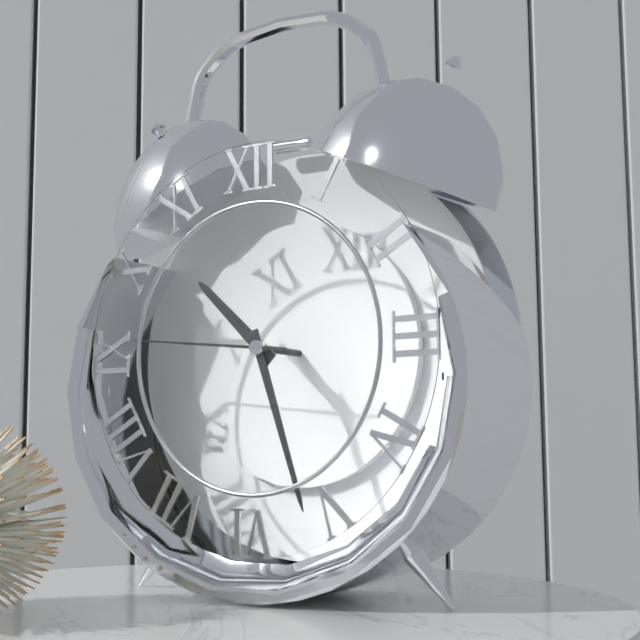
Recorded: h=10 m=27 s=46
